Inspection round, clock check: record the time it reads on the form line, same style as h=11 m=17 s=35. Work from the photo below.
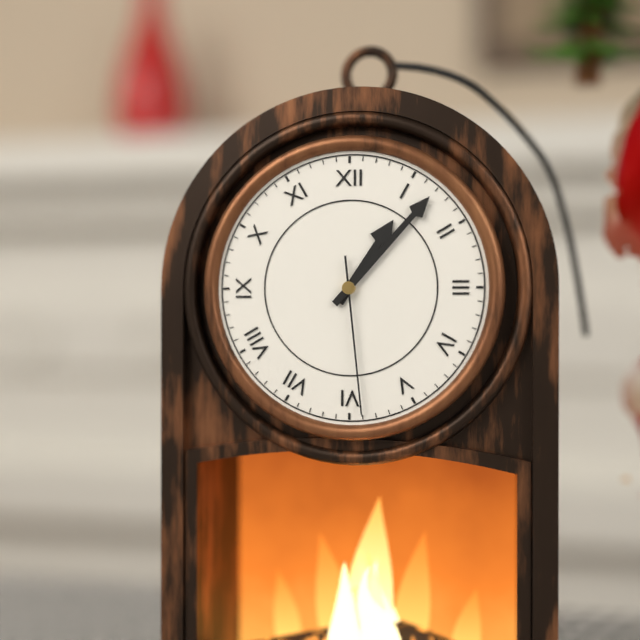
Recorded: h=1 m=7 s=29
